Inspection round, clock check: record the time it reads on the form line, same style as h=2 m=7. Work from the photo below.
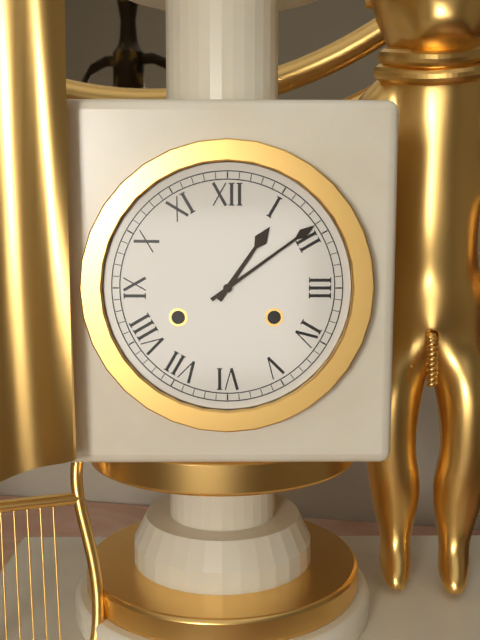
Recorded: h=1 m=9
